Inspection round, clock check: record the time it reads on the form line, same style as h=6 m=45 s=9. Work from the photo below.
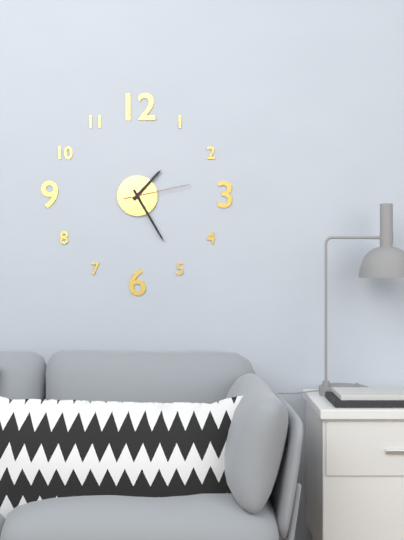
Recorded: h=1 m=25 s=13
